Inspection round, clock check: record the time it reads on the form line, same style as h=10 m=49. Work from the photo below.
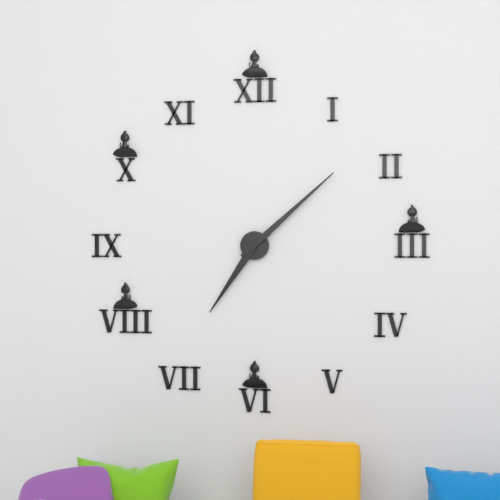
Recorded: h=7 m=8
